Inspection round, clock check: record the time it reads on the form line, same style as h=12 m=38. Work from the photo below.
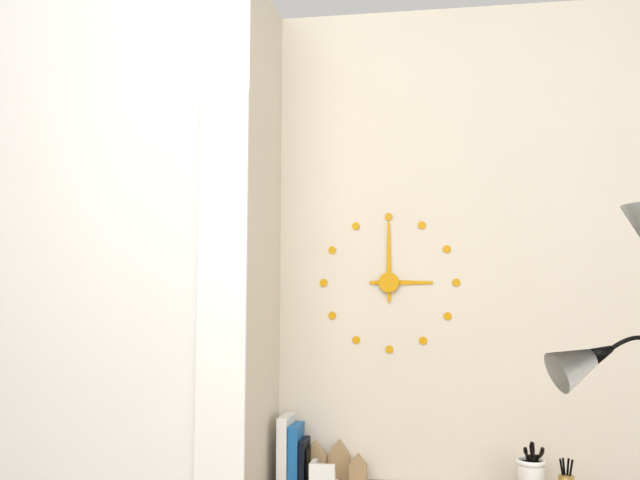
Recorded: h=3 m=0
